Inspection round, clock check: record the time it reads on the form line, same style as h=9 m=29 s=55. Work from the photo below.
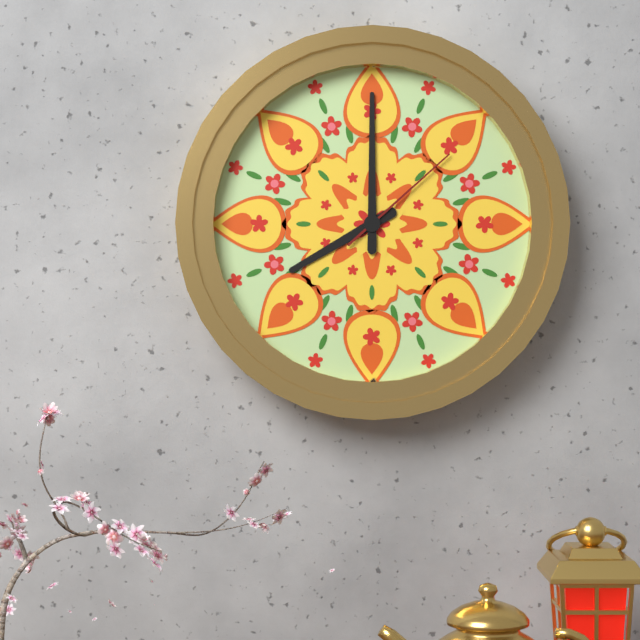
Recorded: h=8 m=0 s=8
